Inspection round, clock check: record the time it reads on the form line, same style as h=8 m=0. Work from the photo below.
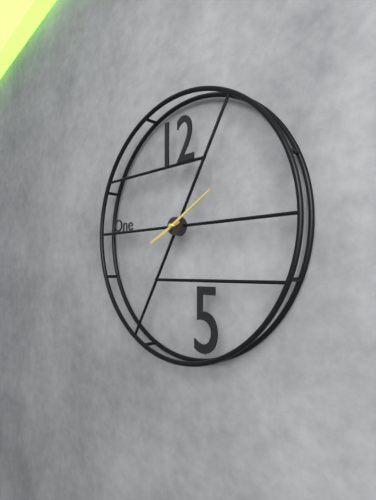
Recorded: h=8 m=10
